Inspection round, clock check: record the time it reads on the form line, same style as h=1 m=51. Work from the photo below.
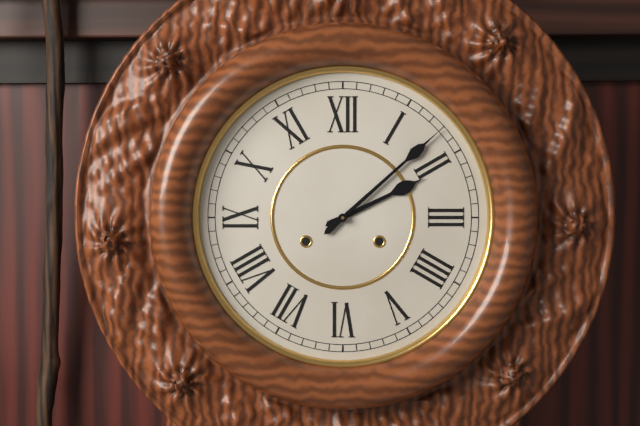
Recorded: h=2 m=8
